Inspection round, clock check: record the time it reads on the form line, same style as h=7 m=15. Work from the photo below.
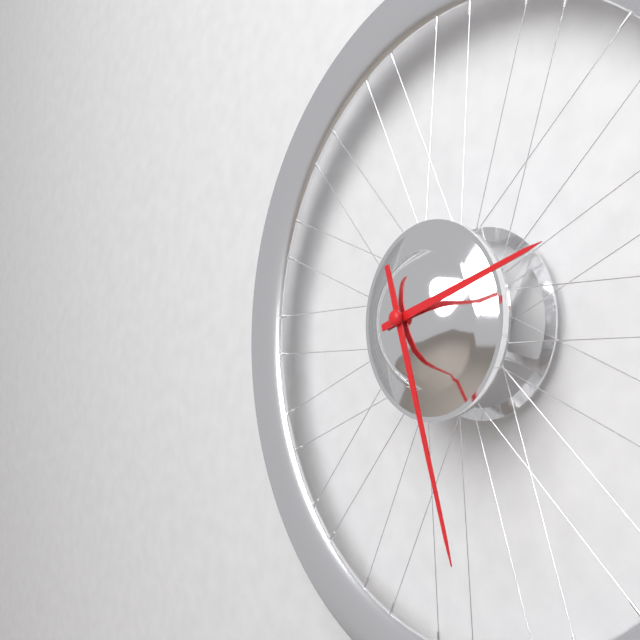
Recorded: h=2 m=27
